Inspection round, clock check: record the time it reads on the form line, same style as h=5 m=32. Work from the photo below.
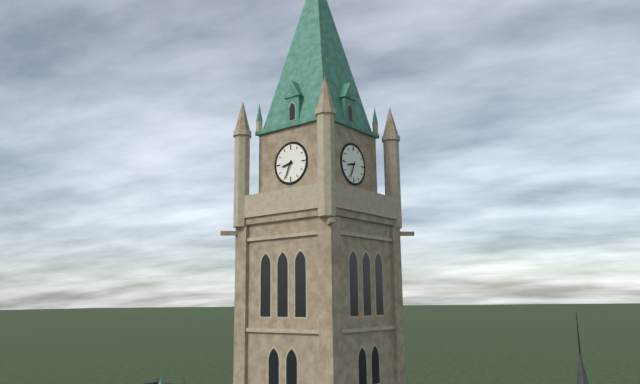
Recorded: h=8 m=34
